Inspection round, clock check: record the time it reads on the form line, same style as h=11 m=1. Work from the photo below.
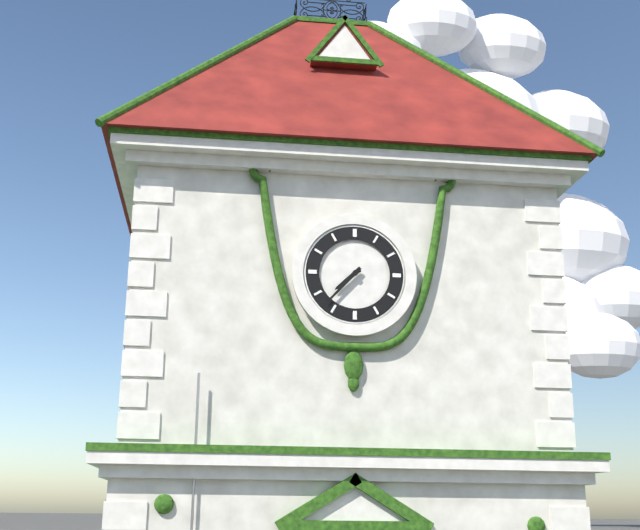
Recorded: h=7 m=37
